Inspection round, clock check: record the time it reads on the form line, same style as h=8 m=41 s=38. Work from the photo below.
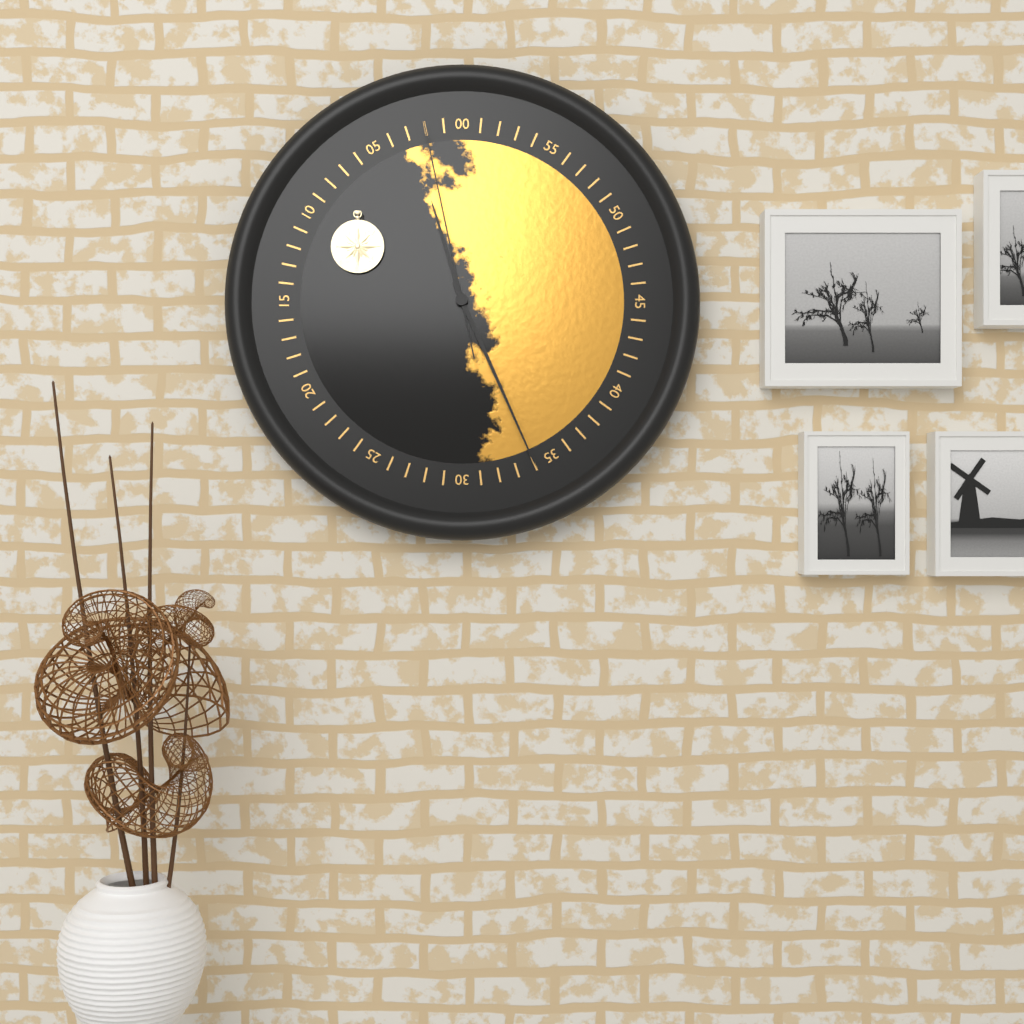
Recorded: h=11 m=26 s=58
